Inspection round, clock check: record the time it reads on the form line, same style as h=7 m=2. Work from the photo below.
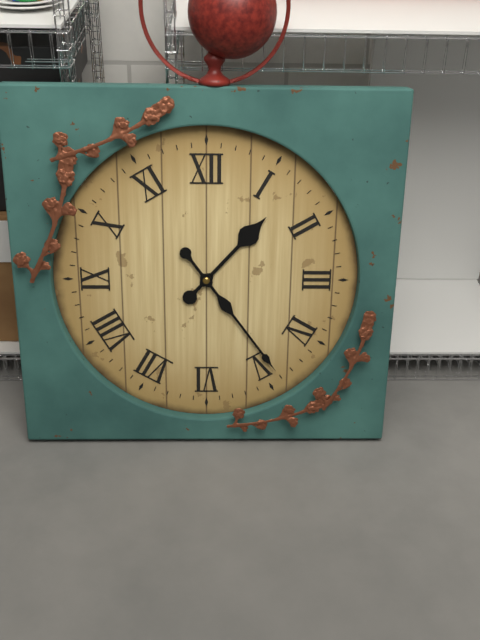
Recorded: h=1 m=24
